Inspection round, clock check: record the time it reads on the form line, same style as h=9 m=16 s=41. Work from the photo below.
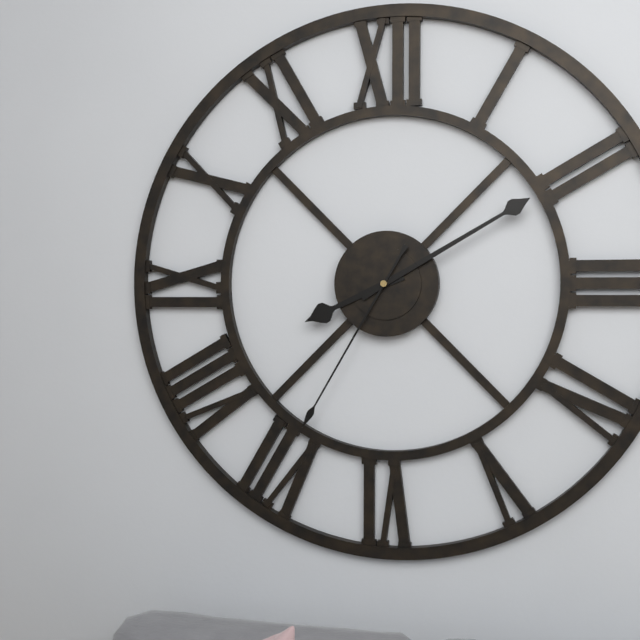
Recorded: h=8 m=10 s=35
